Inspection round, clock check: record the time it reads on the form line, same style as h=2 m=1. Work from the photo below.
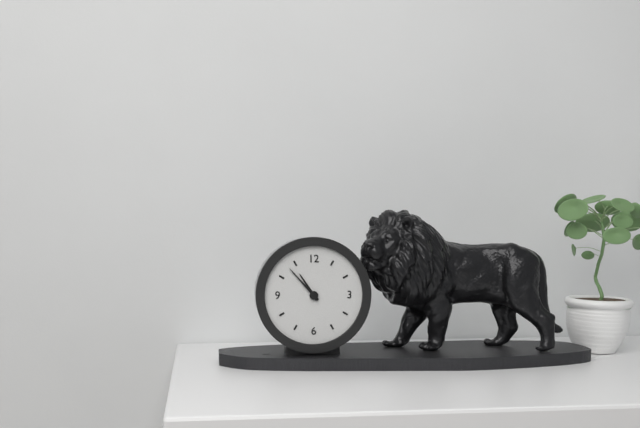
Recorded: h=10 m=53
